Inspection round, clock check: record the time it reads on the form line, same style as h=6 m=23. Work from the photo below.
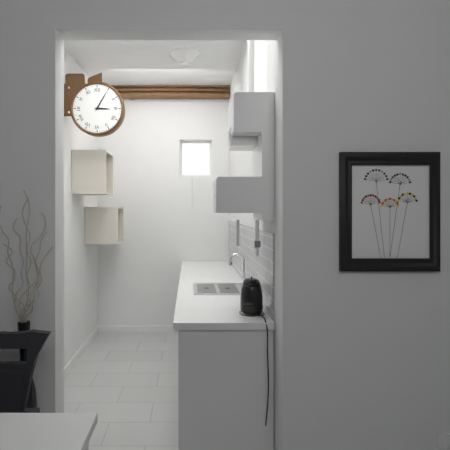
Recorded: h=3 m=5
